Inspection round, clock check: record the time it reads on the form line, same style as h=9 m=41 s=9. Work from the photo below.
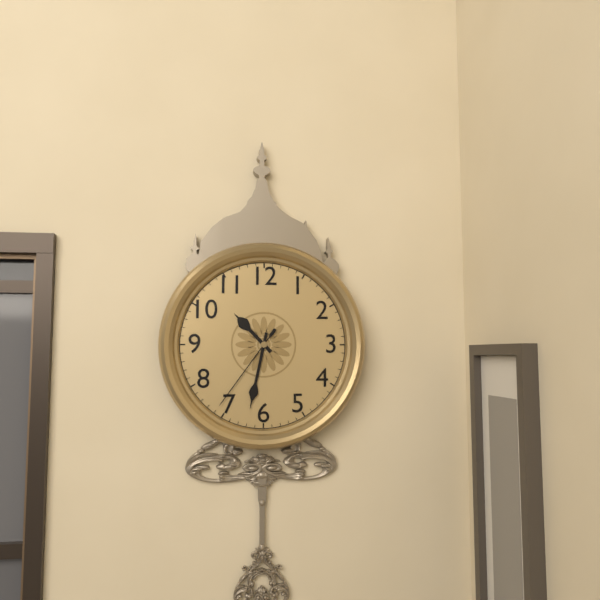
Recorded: h=10 m=32 s=36
